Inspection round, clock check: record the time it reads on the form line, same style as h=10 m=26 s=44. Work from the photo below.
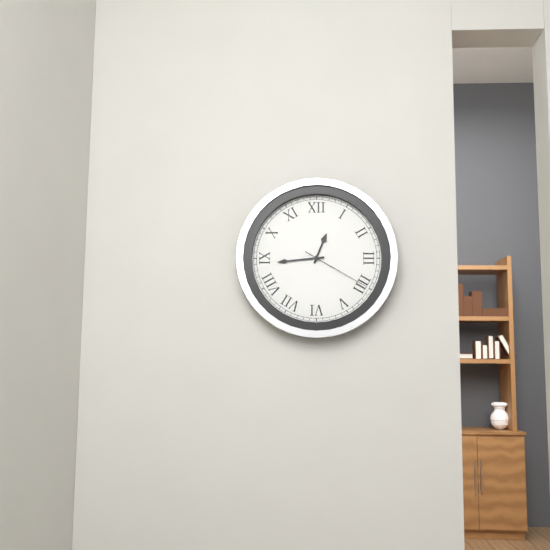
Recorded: h=12 m=44 s=20
